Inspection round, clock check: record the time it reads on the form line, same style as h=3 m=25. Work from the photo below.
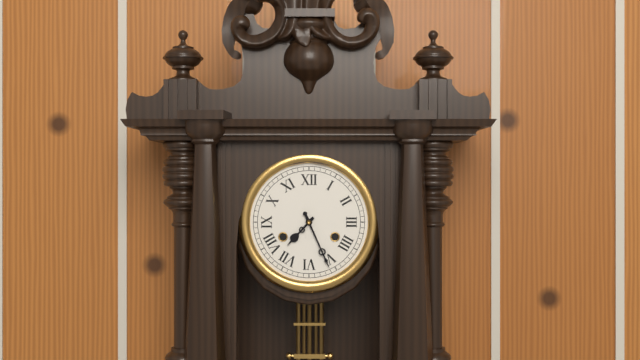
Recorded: h=7 m=26
